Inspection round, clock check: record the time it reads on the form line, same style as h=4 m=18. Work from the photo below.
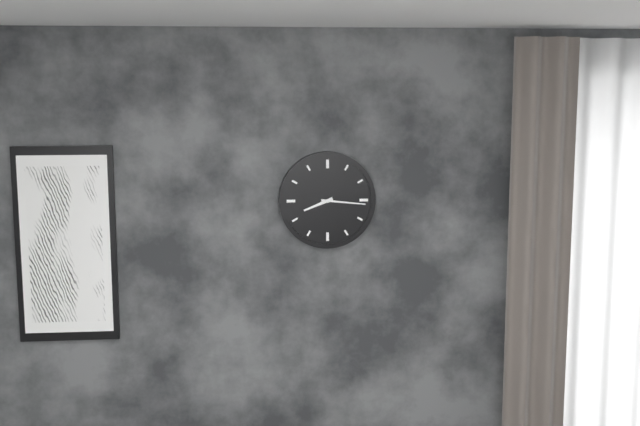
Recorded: h=8 m=16
